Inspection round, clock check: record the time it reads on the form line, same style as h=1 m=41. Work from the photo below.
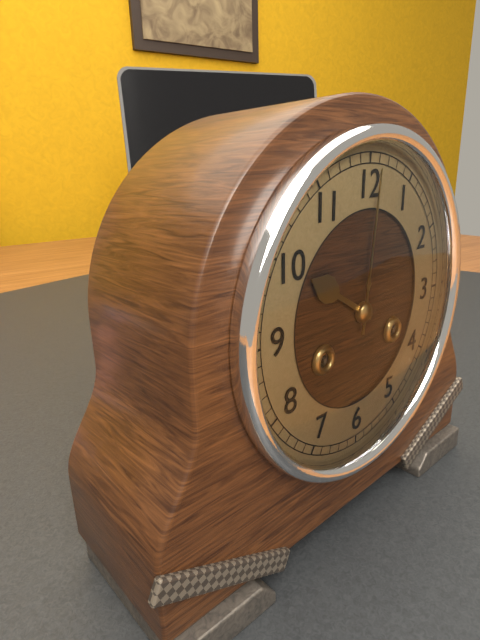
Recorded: h=10 m=1
